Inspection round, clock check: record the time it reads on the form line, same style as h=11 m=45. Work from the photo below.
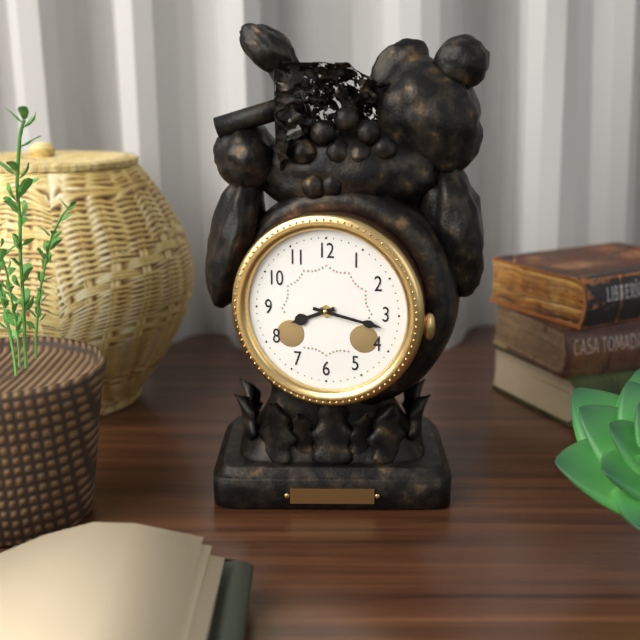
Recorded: h=8 m=17
